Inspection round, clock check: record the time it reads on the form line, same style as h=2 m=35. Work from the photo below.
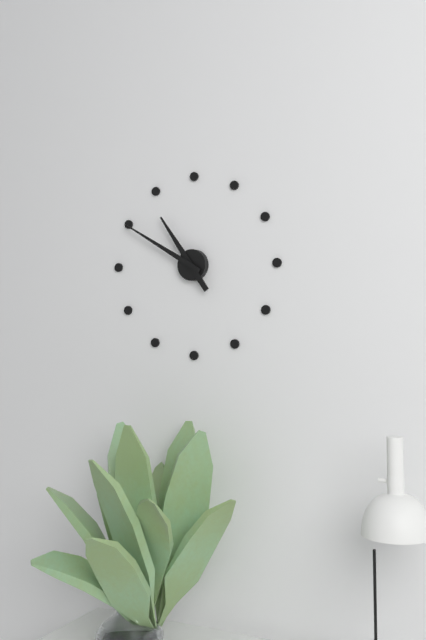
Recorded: h=10 m=50
